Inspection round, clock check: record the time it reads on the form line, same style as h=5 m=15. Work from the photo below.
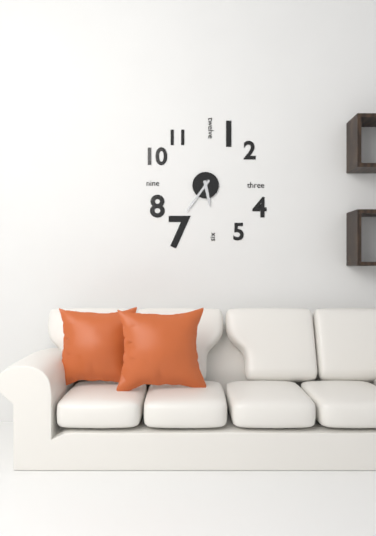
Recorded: h=5 m=36
